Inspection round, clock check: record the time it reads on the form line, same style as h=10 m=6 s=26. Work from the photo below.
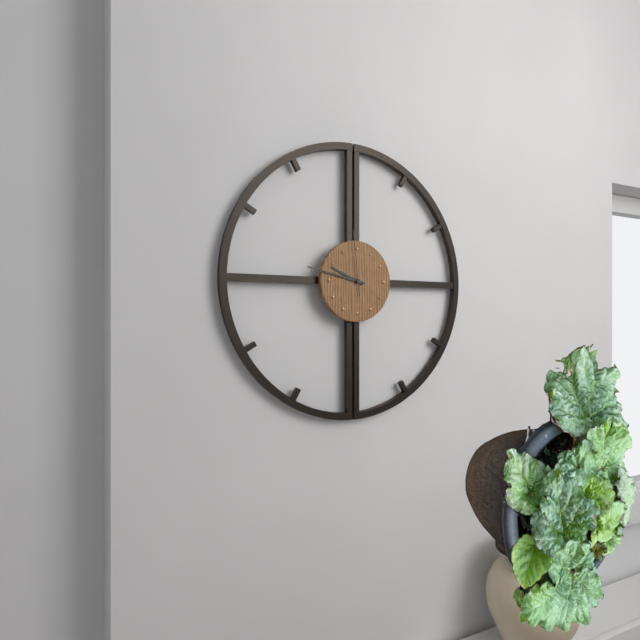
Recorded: h=9 m=47 s=59
